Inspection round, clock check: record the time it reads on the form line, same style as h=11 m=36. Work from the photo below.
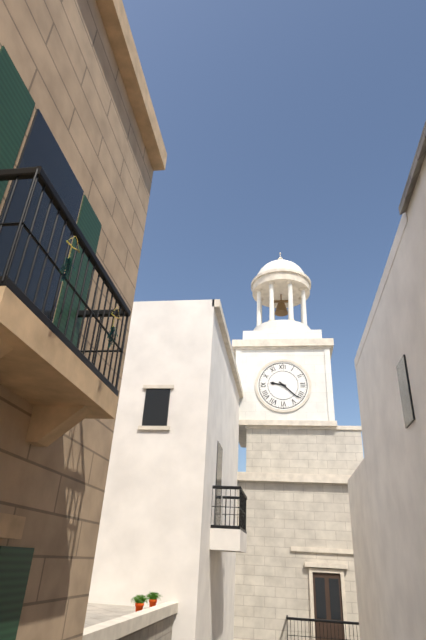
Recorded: h=9 m=22
